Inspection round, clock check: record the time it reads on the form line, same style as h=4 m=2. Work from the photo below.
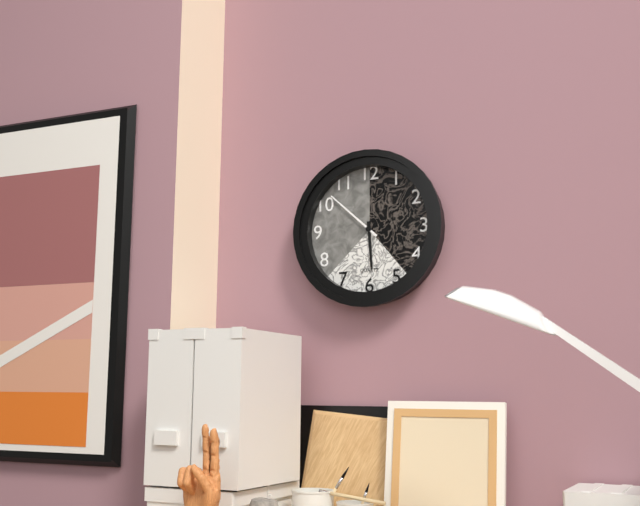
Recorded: h=5 m=52
